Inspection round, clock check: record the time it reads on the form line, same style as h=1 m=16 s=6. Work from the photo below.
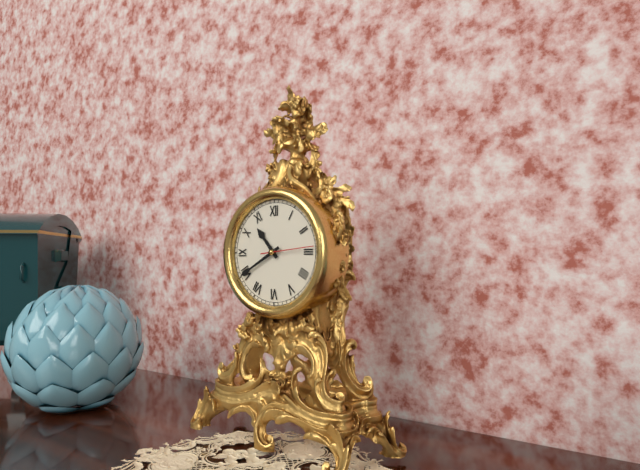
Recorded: h=10 m=40 s=14
